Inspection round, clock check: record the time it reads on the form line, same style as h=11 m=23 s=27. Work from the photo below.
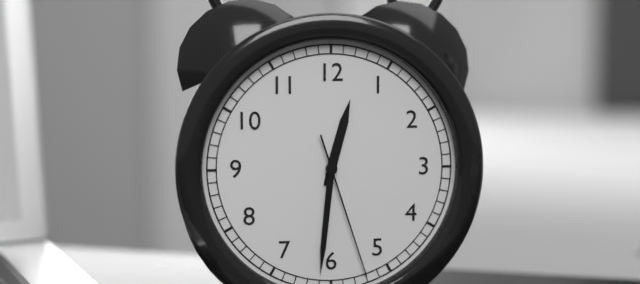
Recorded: h=12 m=31 s=27
